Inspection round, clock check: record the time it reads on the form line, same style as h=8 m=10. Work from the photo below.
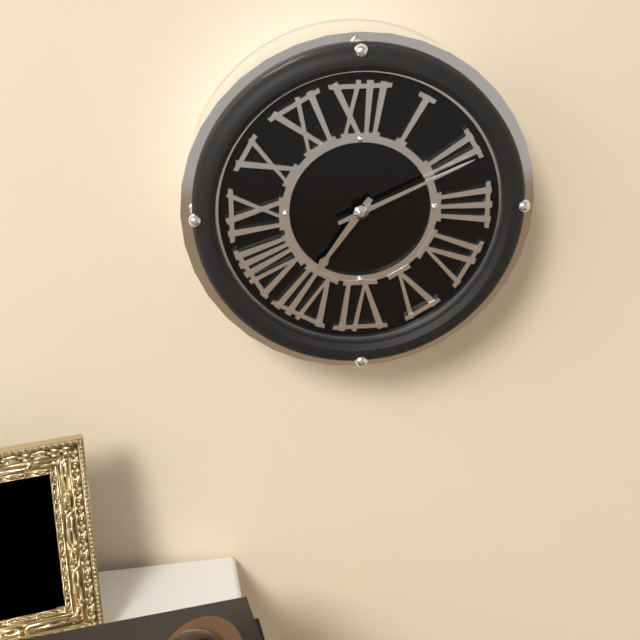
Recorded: h=7 m=11
